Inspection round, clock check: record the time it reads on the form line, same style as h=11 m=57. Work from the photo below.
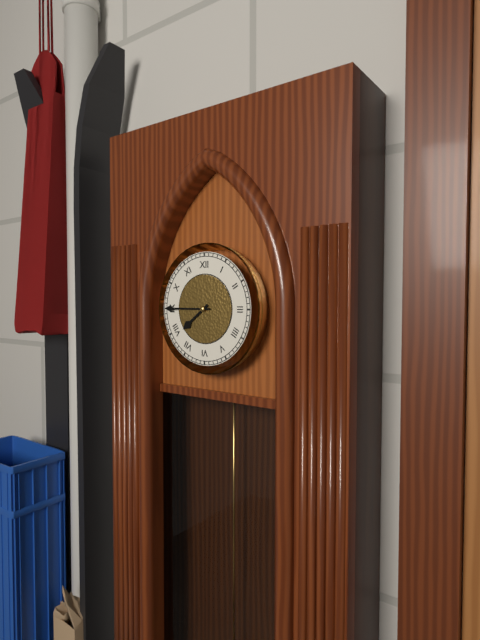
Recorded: h=7 m=45
